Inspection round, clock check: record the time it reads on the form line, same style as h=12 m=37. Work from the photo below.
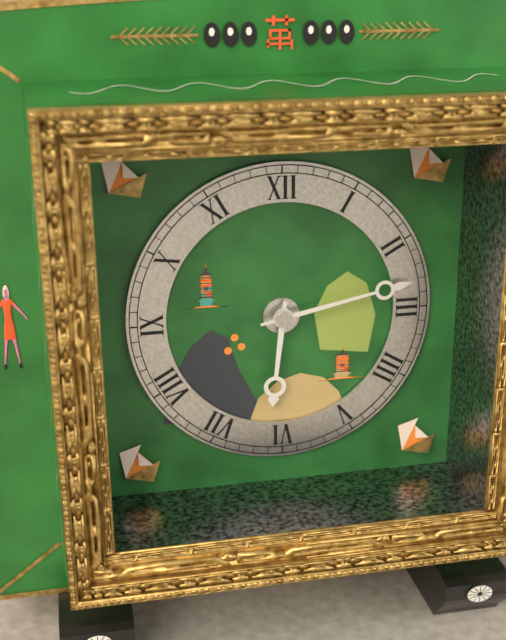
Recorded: h=6 m=13
